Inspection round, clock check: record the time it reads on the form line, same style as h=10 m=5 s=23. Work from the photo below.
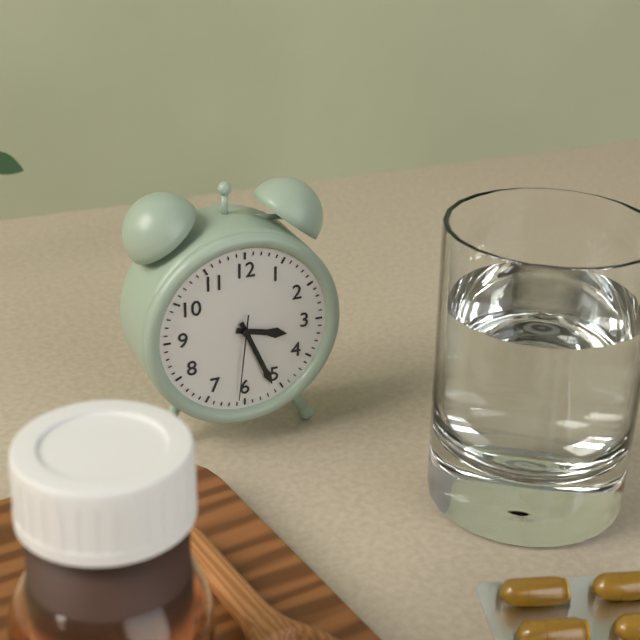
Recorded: h=3 m=26 s=31
